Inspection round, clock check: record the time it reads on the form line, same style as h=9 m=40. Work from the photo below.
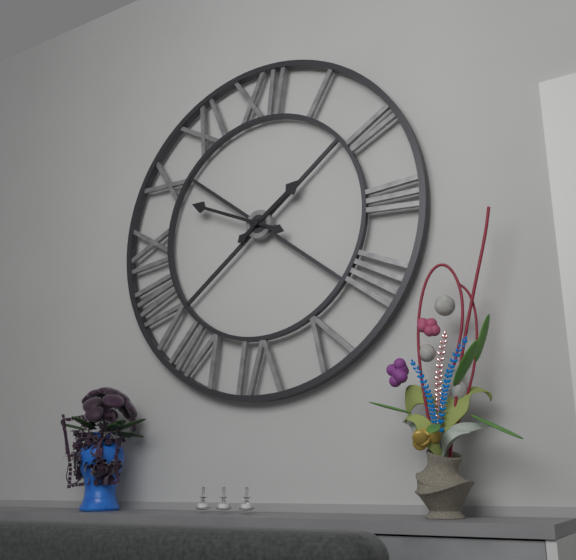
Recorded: h=1 m=49
